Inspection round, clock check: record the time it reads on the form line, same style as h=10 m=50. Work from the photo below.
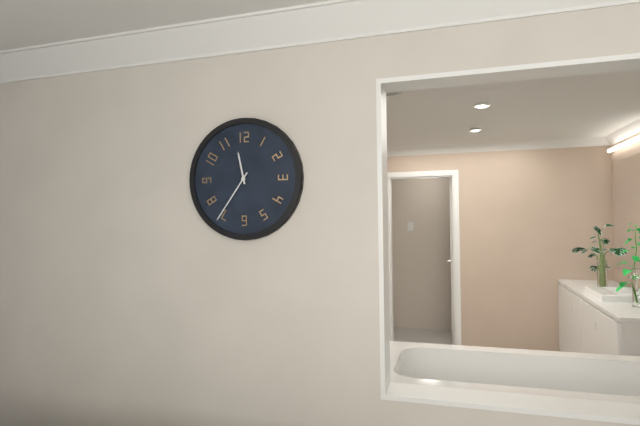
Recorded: h=11 m=36
